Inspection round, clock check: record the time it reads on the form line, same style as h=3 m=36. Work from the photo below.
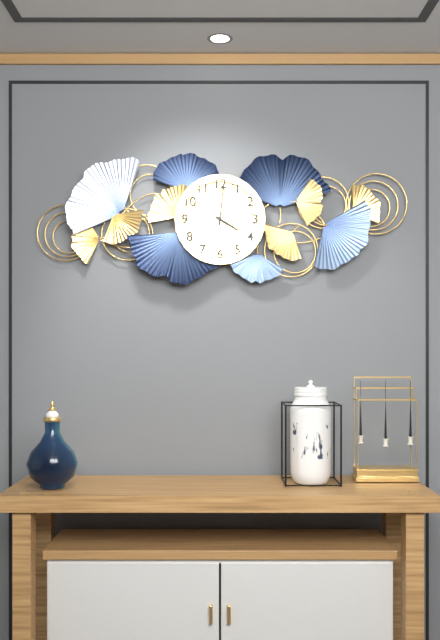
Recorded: h=4 m=1
